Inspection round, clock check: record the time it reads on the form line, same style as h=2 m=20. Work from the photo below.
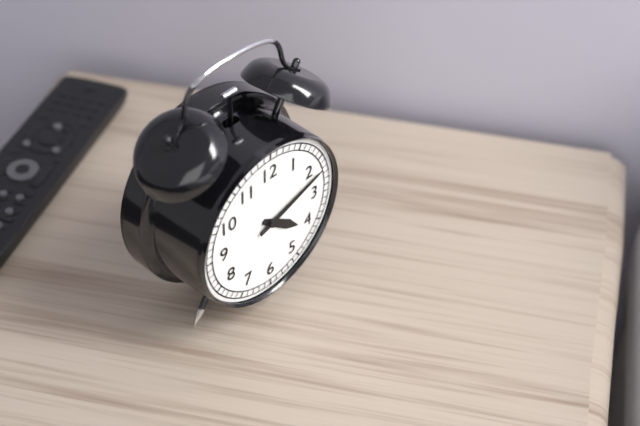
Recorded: h=4 m=12
